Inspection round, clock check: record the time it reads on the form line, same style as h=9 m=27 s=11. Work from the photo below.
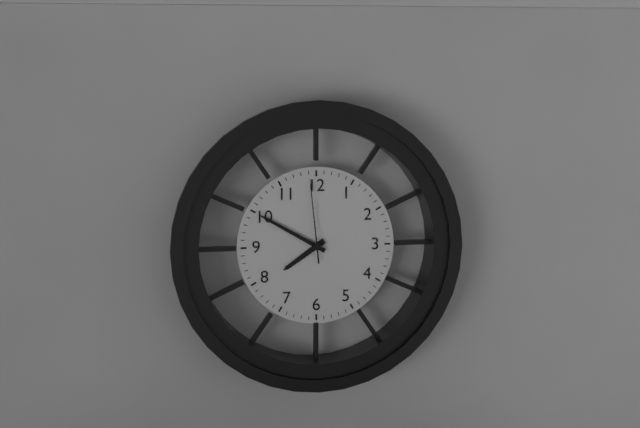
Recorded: h=7 m=50 s=59
